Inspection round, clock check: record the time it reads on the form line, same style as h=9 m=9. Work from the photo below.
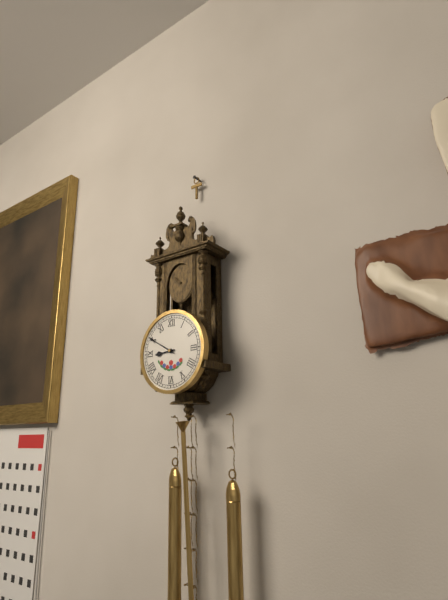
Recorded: h=8 m=50
